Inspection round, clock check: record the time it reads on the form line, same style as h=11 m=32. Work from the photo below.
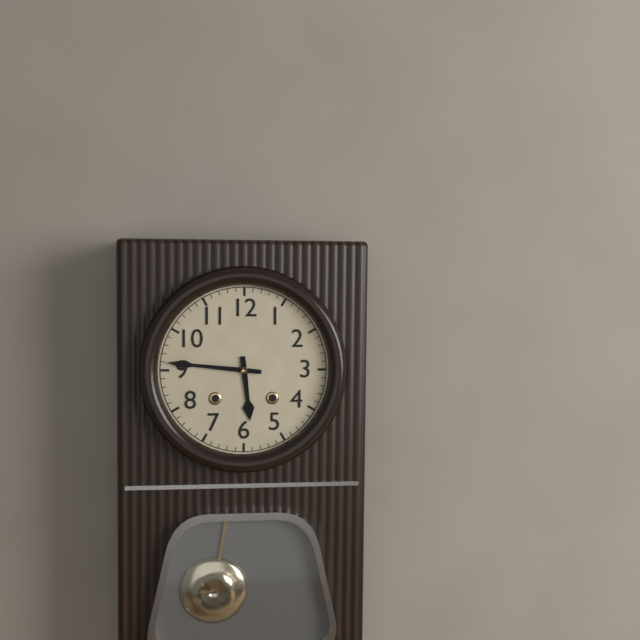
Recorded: h=5 m=46
